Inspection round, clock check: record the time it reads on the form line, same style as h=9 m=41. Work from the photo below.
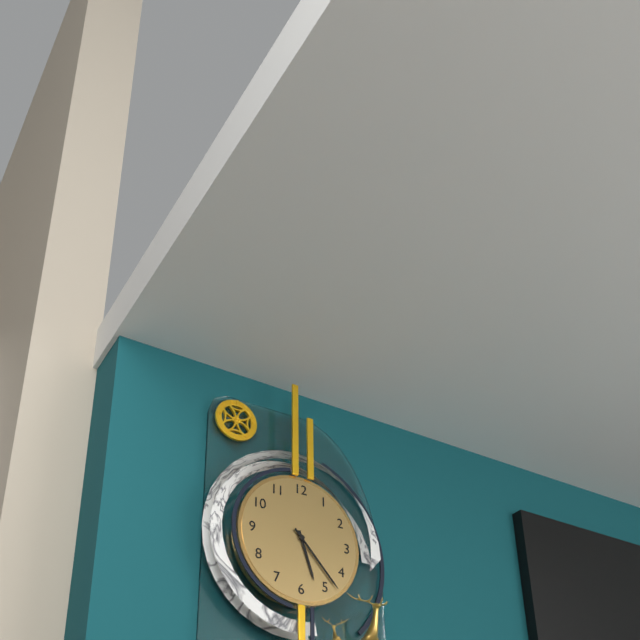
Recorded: h=5 m=23
